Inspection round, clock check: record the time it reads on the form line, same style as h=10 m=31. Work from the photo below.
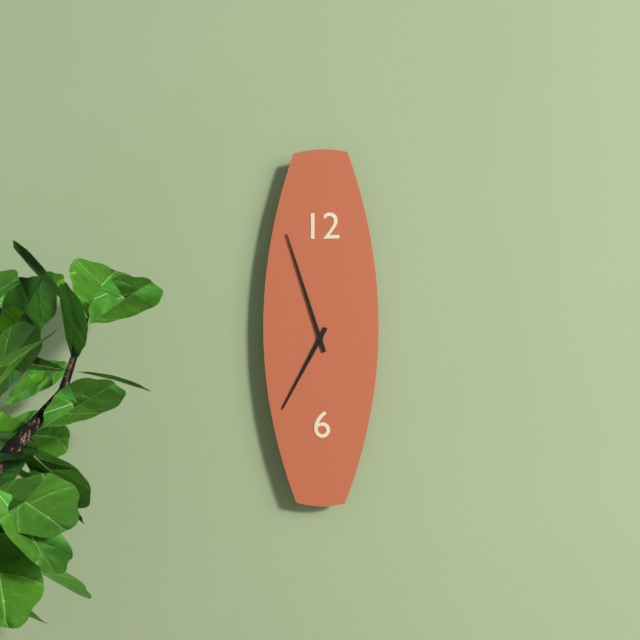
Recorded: h=6 m=57
